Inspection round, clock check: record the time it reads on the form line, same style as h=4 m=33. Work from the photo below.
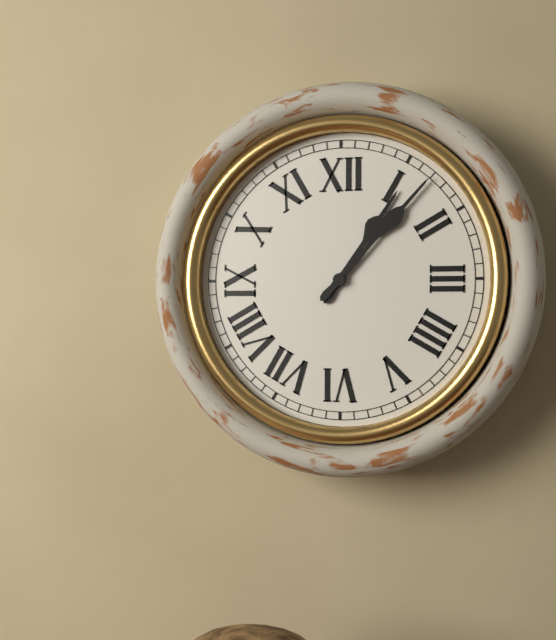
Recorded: h=1 m=7
